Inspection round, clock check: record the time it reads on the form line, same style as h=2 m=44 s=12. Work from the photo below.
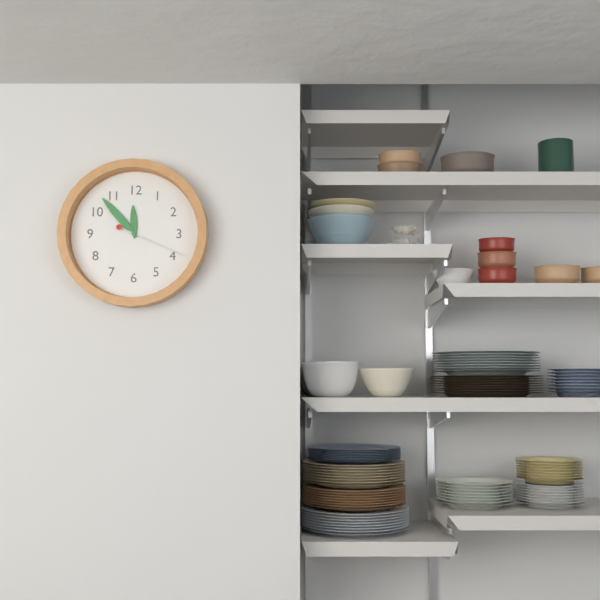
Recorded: h=11 m=53 s=19
